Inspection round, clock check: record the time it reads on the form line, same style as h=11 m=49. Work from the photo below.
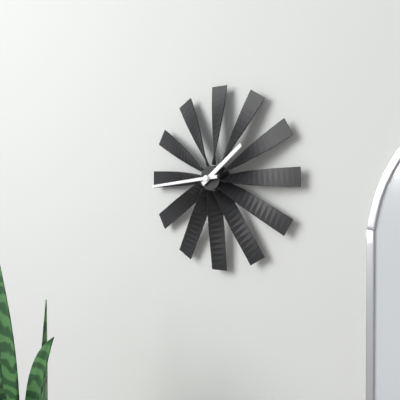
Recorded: h=1 m=44
